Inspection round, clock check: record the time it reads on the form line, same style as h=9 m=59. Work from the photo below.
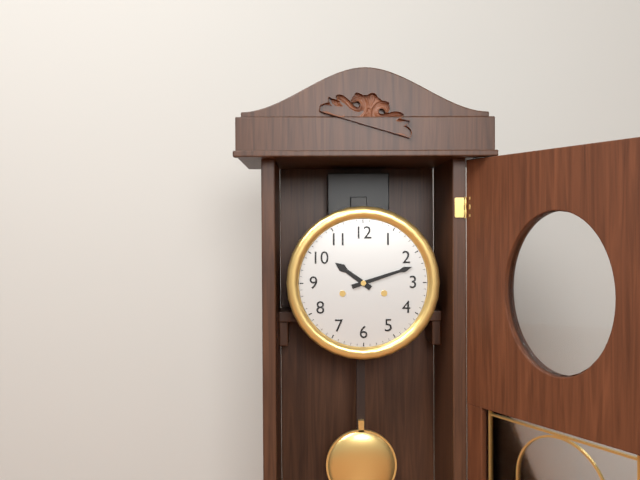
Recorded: h=10 m=12
